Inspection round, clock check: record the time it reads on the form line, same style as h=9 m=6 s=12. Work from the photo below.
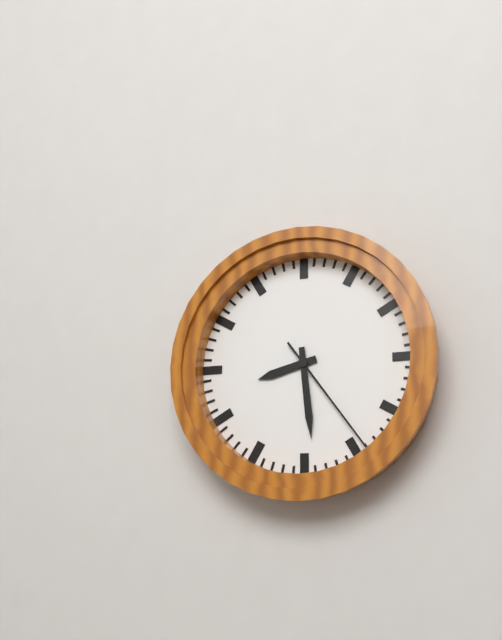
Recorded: h=8 m=29 s=24
